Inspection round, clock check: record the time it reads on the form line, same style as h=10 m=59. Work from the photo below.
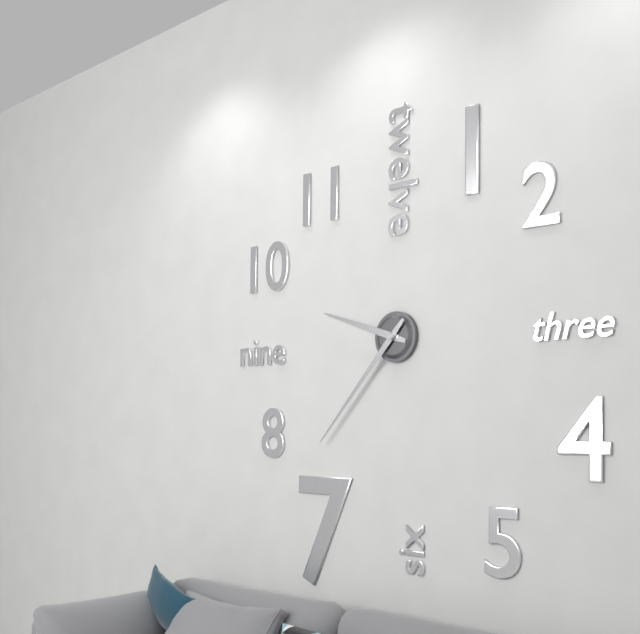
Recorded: h=9 m=37
